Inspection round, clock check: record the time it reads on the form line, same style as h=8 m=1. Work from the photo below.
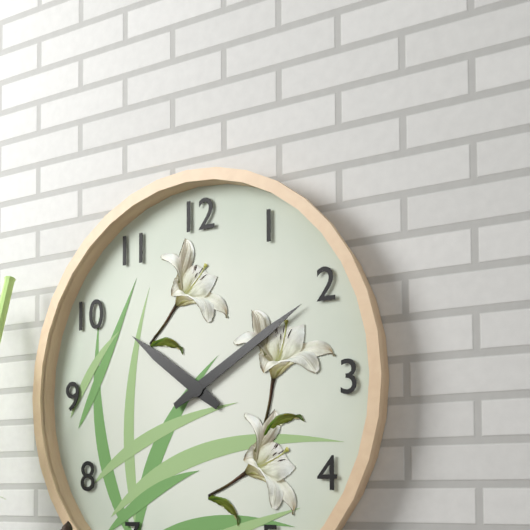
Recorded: h=10 m=10
